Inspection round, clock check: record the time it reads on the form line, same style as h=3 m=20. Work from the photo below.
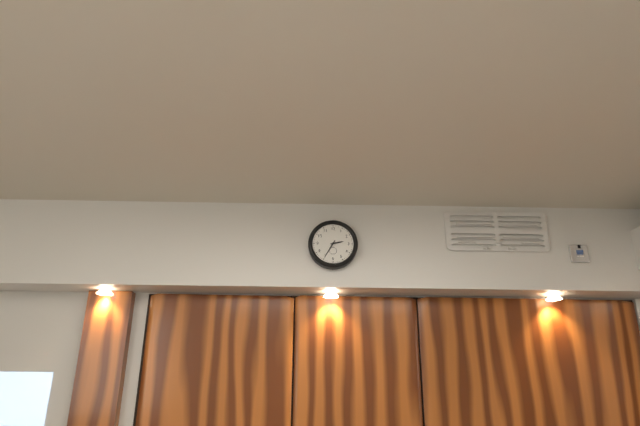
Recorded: h=2 m=35
